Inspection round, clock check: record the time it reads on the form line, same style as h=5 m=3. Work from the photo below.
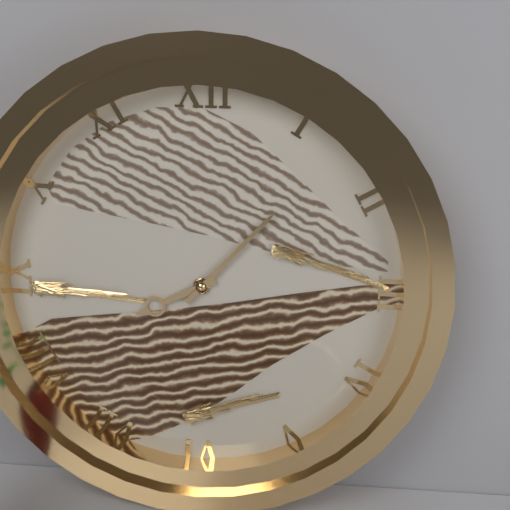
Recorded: h=8 m=7
